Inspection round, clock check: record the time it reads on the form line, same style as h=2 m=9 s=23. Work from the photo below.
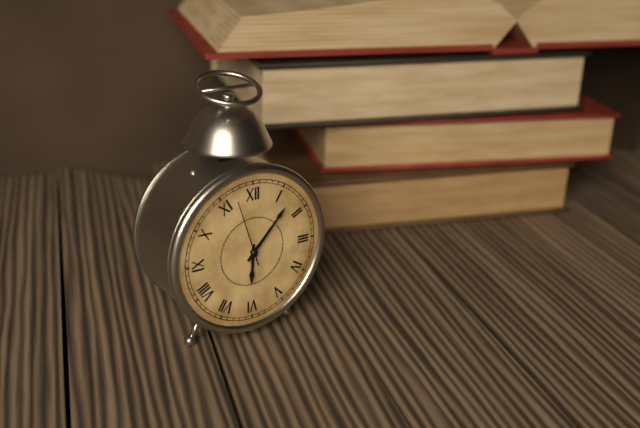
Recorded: h=6 m=7 s=57
